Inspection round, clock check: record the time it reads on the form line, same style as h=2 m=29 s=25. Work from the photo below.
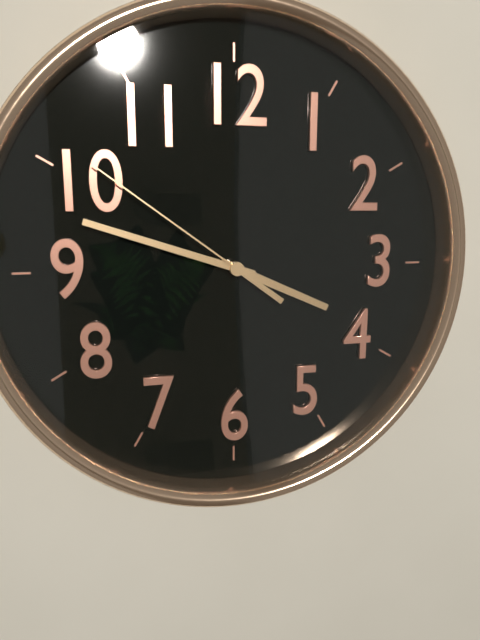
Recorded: h=3 m=48 s=51
